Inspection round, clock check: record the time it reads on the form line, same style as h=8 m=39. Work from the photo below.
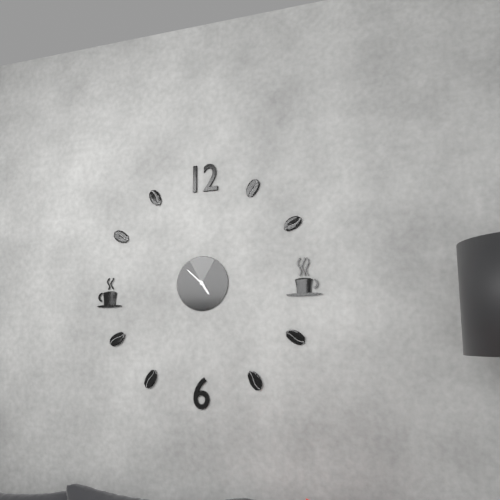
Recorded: h=4 m=52
